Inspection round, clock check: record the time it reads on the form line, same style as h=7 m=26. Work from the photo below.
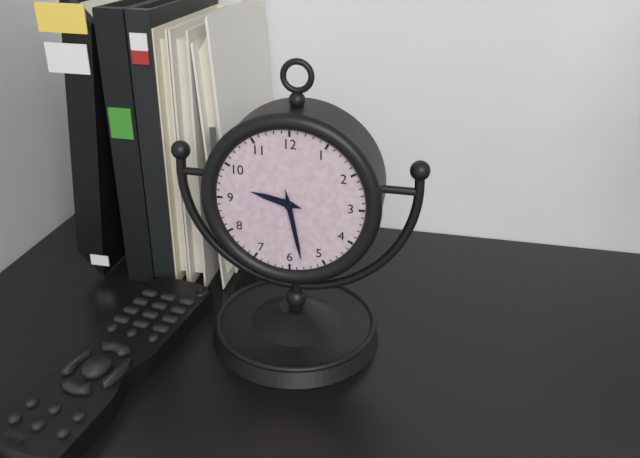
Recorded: h=9 m=28
